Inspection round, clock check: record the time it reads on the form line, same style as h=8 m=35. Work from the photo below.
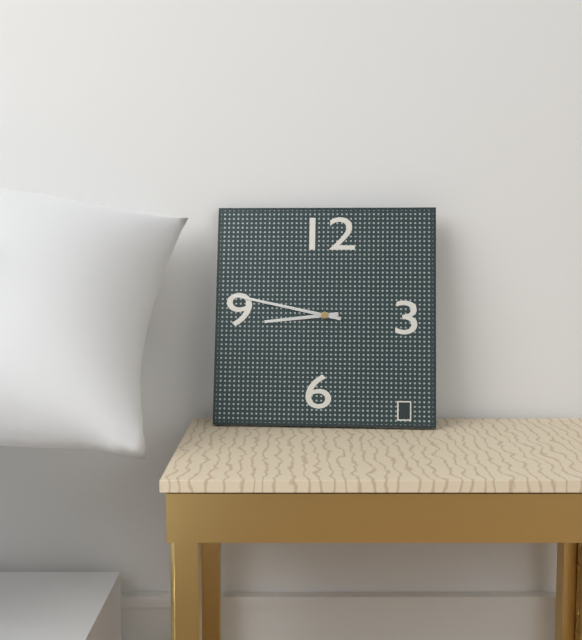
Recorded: h=8 m=47
